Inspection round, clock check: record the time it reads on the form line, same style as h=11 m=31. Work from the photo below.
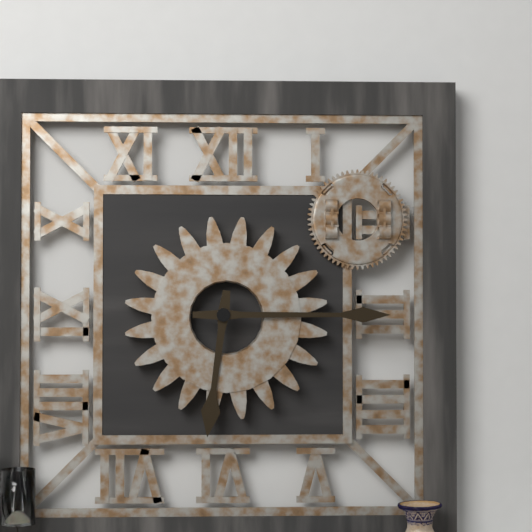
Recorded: h=6 m=15
